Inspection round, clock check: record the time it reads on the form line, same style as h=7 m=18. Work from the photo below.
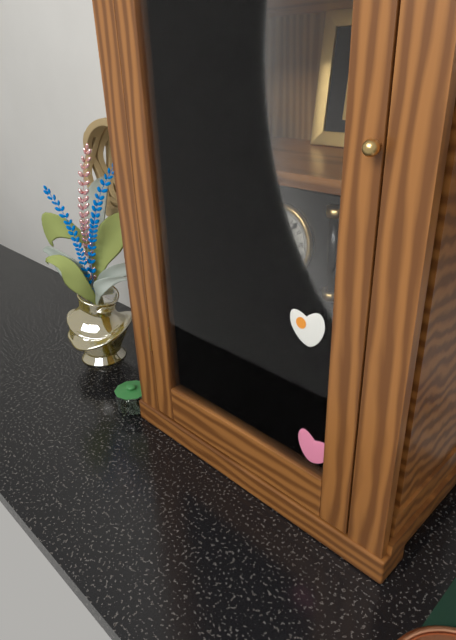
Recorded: h=5 m=7
